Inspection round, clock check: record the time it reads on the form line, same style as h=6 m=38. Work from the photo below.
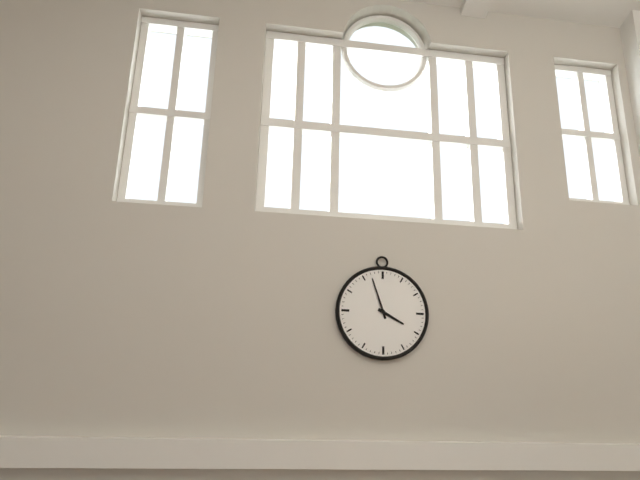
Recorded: h=3 m=57
